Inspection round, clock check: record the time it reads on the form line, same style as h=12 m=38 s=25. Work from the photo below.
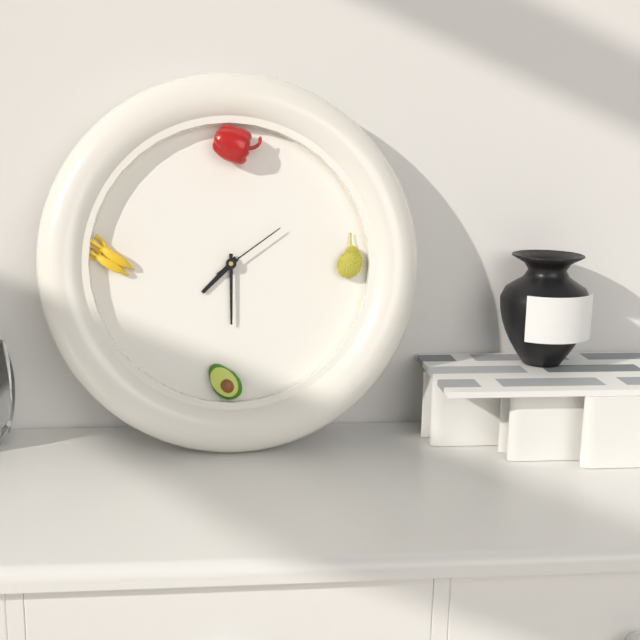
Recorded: h=7 m=30 s=9
